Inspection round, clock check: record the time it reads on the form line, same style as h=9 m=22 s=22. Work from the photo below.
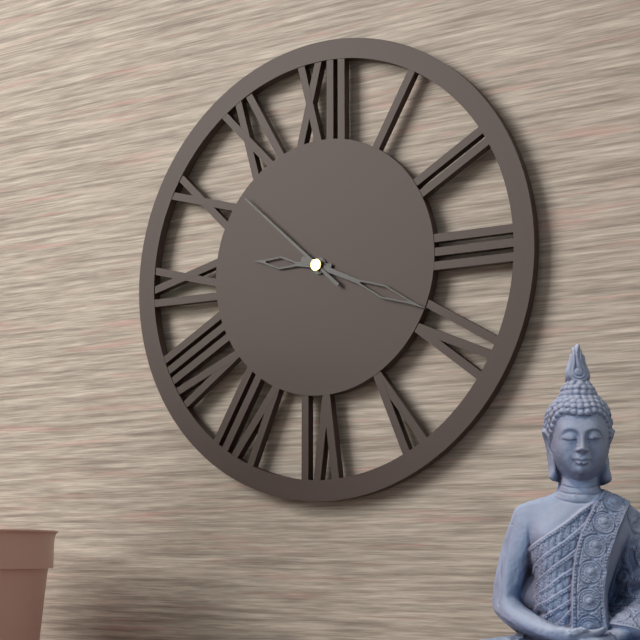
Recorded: h=9 m=19 s=52
